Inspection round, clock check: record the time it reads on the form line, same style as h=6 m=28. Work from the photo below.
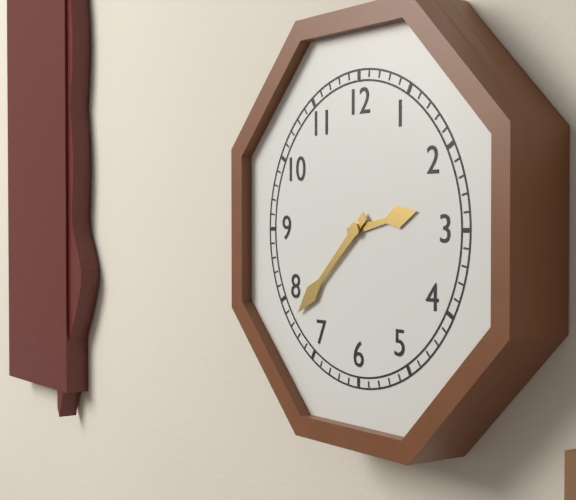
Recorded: h=2 m=38
